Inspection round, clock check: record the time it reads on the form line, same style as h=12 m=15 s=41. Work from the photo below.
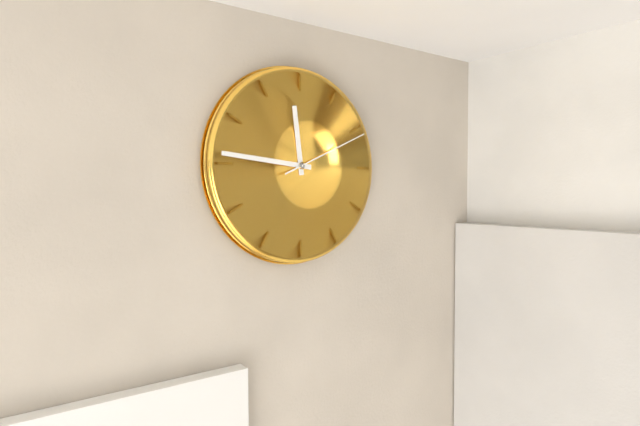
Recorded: h=11 m=46 s=11
